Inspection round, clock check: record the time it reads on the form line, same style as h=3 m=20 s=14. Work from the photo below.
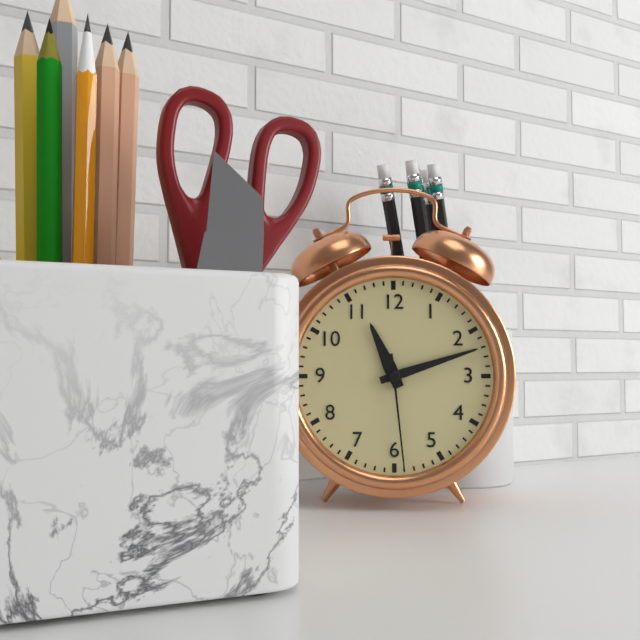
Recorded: h=11 m=12 s=29
